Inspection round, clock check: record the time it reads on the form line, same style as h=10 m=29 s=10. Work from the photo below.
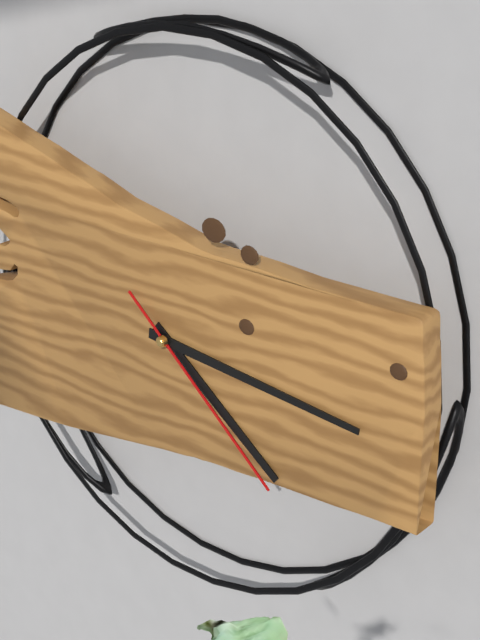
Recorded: h=4 m=16 s=22
